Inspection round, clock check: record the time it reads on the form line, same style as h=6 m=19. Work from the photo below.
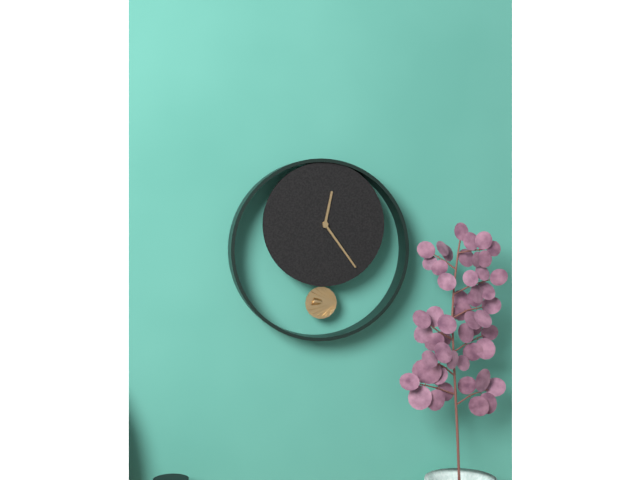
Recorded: h=12 m=24
